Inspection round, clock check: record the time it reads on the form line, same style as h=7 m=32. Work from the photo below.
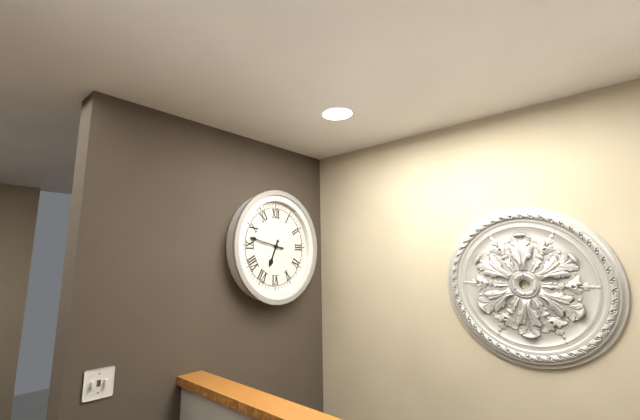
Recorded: h=6 m=47
